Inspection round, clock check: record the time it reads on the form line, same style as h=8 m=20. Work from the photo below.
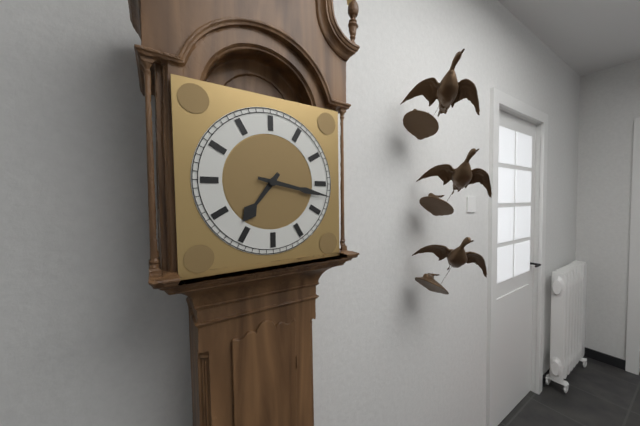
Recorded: h=7 m=17
